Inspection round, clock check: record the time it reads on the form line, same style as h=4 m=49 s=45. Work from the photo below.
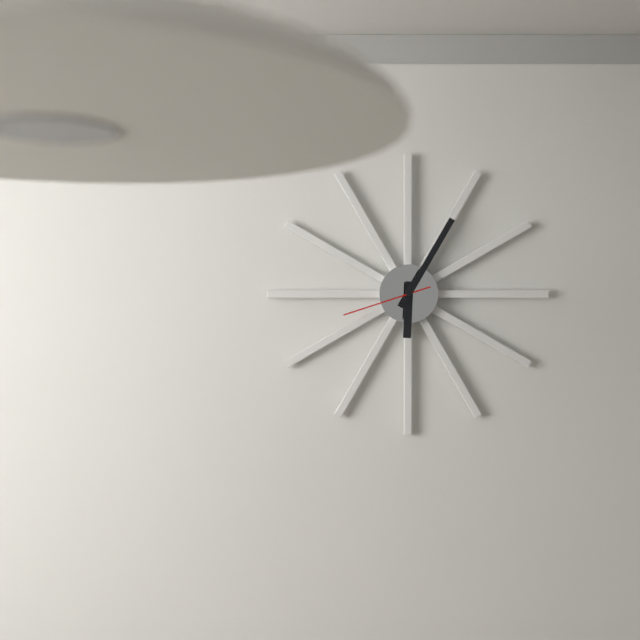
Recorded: h=6 m=5 s=42
